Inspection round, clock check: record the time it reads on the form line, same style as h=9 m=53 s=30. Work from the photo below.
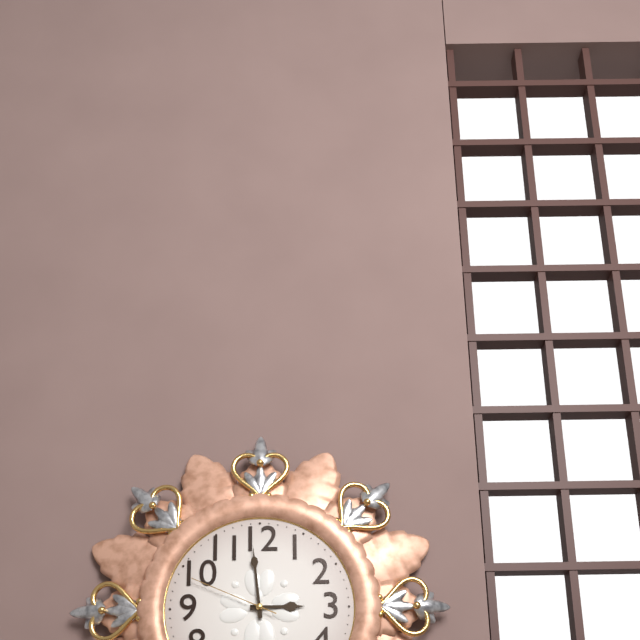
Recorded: h=2 m=59 s=49
